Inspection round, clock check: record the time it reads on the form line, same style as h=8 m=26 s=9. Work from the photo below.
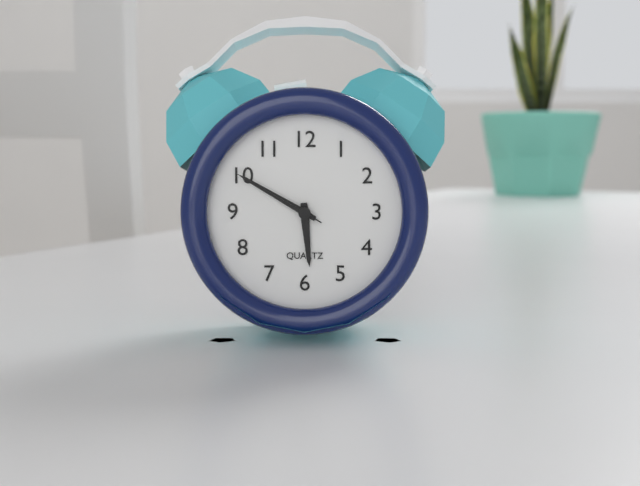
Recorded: h=5 m=50 s=50
